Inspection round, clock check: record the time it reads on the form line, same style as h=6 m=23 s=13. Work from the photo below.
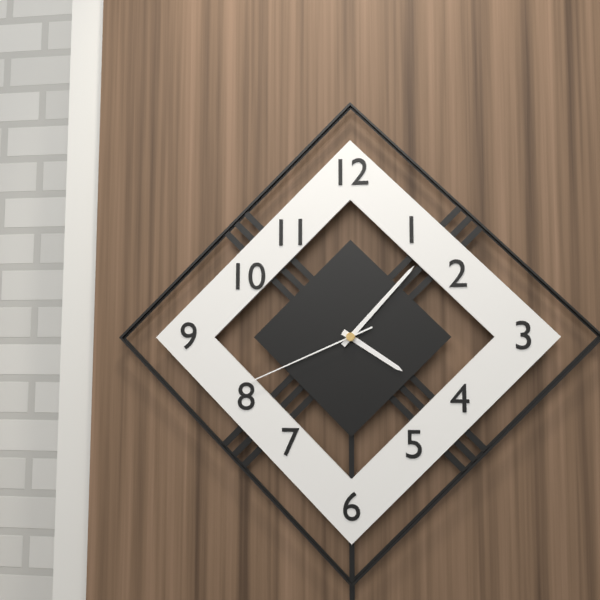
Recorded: h=4 m=7 s=41
